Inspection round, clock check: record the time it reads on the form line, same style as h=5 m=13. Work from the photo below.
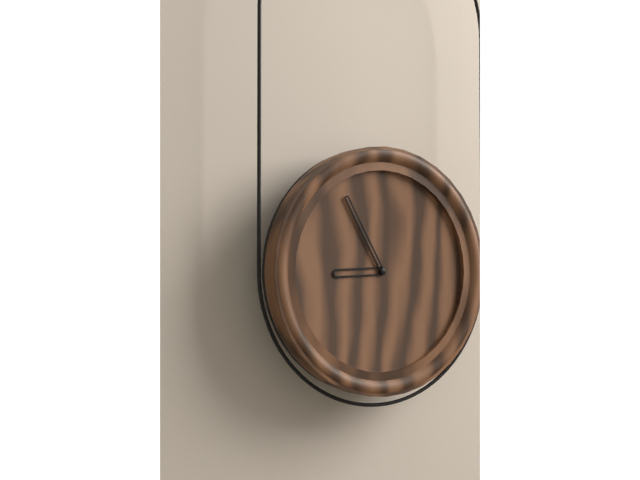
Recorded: h=8 m=55
